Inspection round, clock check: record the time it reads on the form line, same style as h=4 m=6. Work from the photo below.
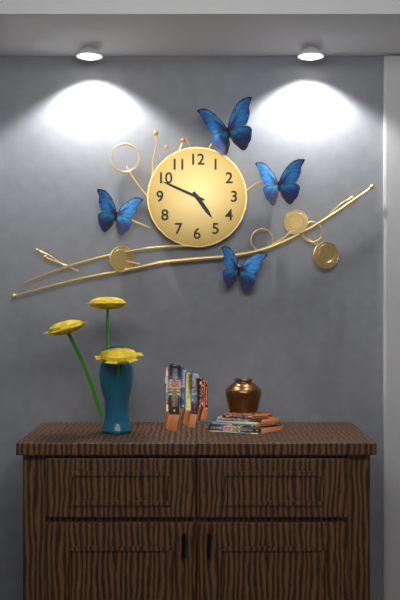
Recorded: h=4 m=49
